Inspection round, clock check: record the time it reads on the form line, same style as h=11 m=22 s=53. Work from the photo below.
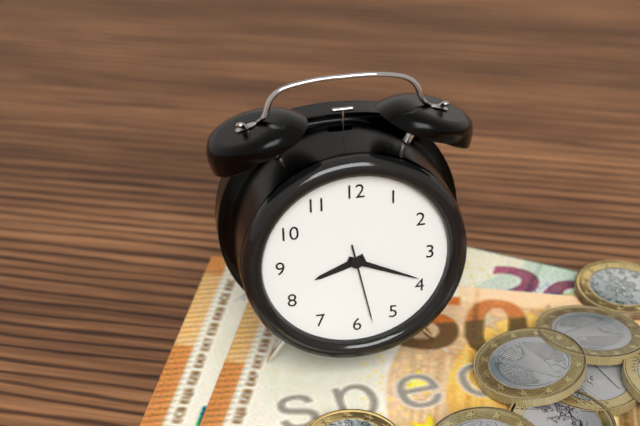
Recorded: h=8 m=19 s=28
